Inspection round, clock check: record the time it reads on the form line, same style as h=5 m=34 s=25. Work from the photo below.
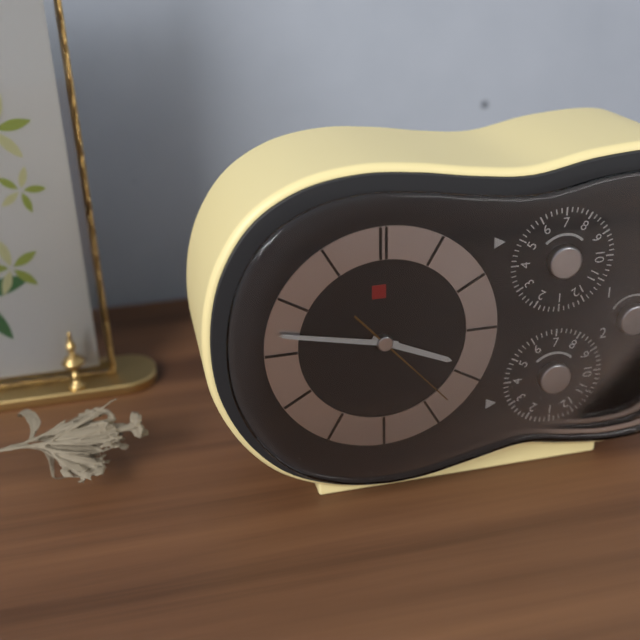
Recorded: h=3 m=47 s=23
